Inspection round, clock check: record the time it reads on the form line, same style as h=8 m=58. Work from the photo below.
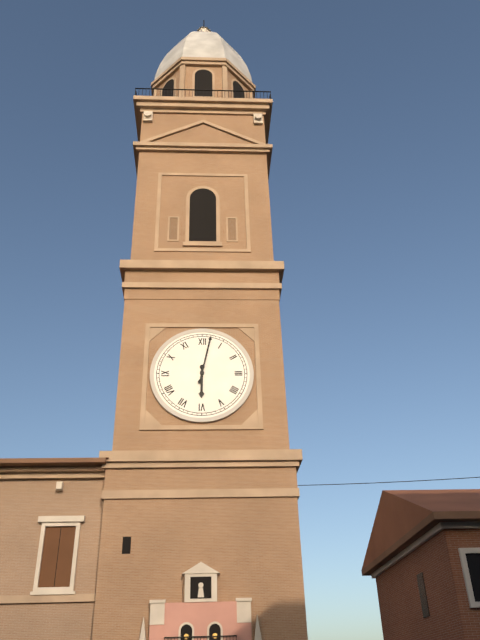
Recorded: h=6 m=2
